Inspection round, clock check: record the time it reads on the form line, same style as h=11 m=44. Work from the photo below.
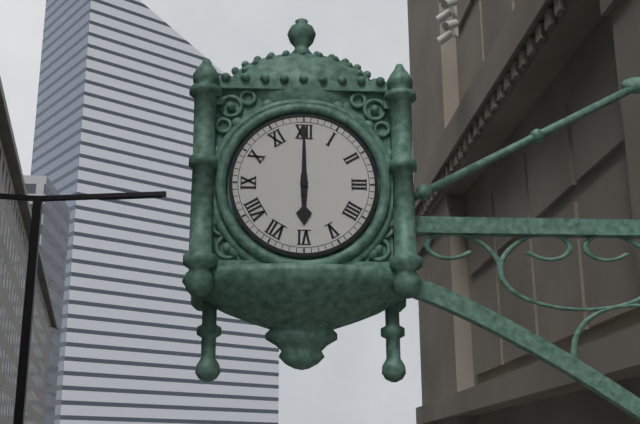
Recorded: h=6 m=0
